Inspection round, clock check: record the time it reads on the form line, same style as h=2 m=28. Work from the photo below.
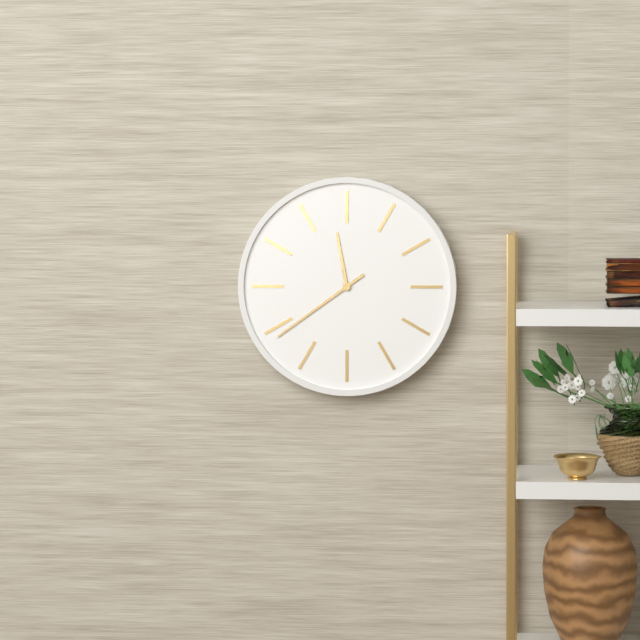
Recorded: h=11 m=39
